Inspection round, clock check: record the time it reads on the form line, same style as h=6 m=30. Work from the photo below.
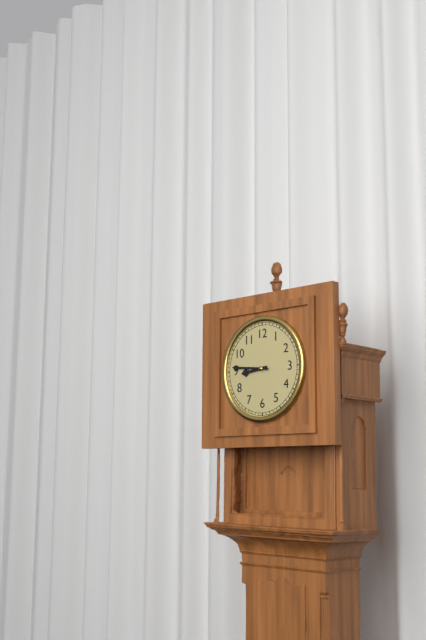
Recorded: h=8 m=46
